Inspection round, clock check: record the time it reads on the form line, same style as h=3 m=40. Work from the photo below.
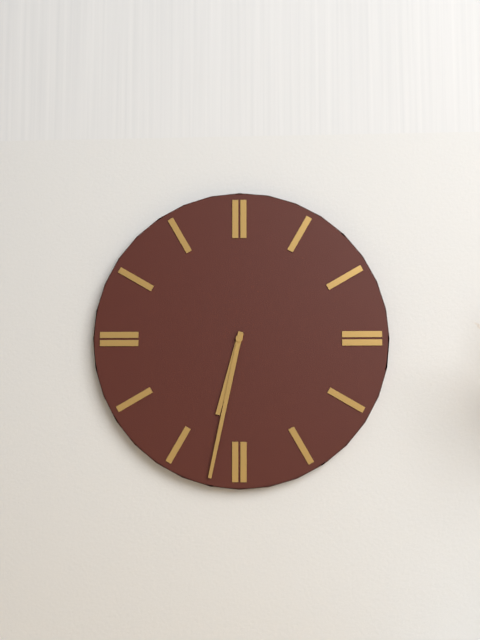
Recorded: h=6 m=32
